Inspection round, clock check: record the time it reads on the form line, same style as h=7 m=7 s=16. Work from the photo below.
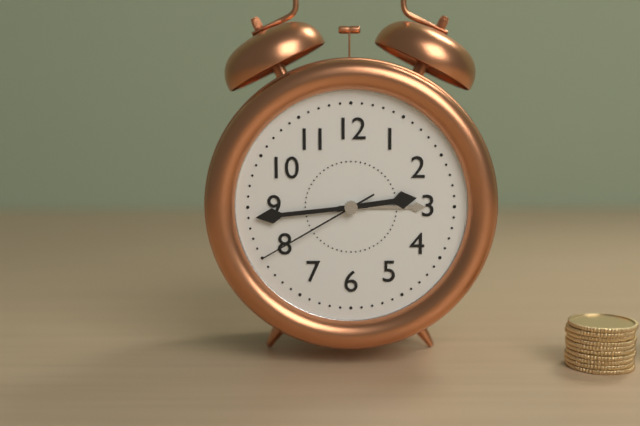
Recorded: h=2 m=44 s=40
